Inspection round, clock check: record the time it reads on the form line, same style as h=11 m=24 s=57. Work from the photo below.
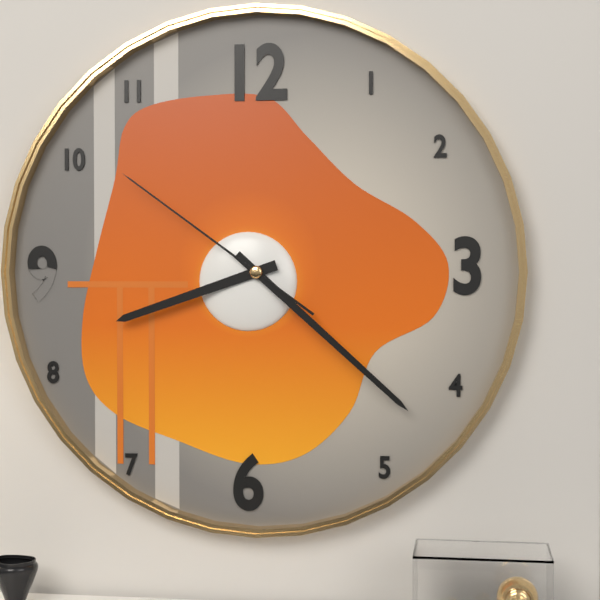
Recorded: h=8 m=22 s=51
